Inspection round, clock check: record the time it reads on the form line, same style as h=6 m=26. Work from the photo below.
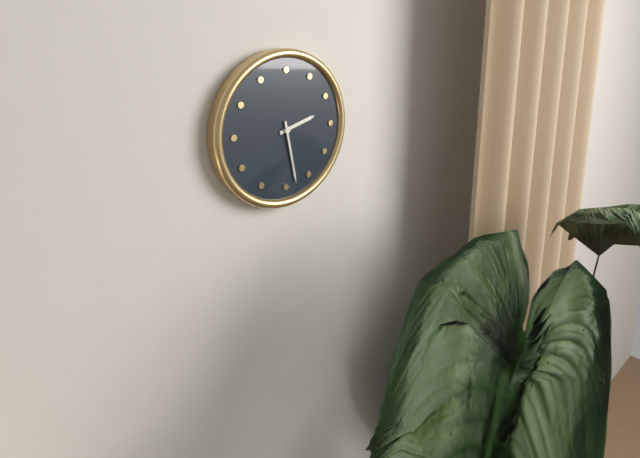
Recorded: h=2 m=28
